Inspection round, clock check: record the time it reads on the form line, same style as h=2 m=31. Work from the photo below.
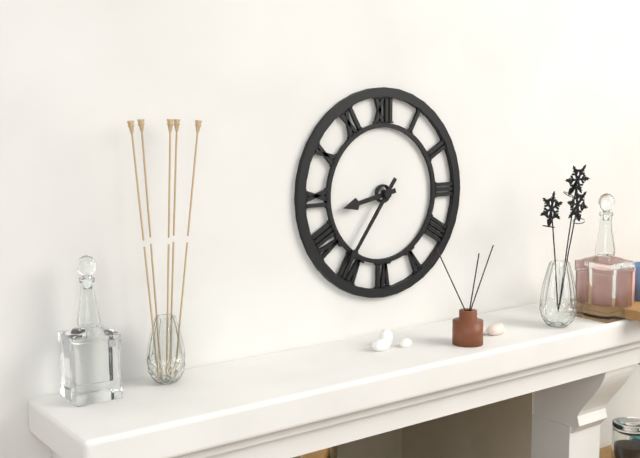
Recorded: h=8 m=36
